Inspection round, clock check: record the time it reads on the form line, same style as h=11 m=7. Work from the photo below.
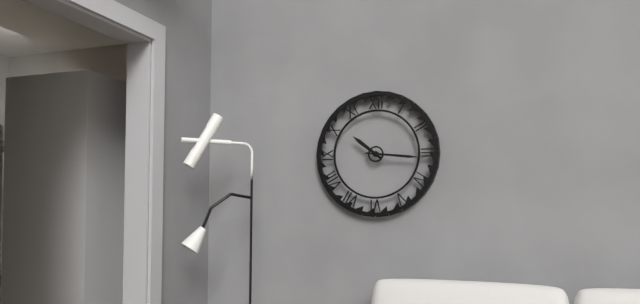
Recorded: h=10 m=16
